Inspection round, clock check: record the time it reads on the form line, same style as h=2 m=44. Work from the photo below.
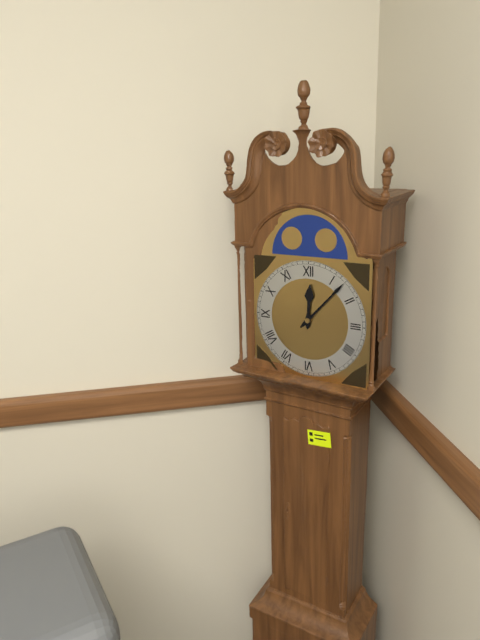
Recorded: h=12 m=7
